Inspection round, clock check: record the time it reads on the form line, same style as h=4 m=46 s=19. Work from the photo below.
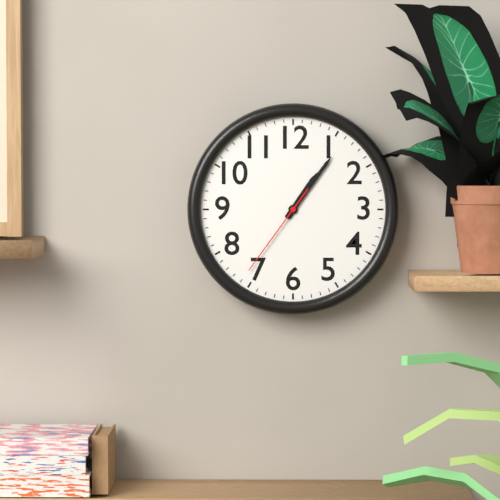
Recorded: h=1 m=6 s=36
